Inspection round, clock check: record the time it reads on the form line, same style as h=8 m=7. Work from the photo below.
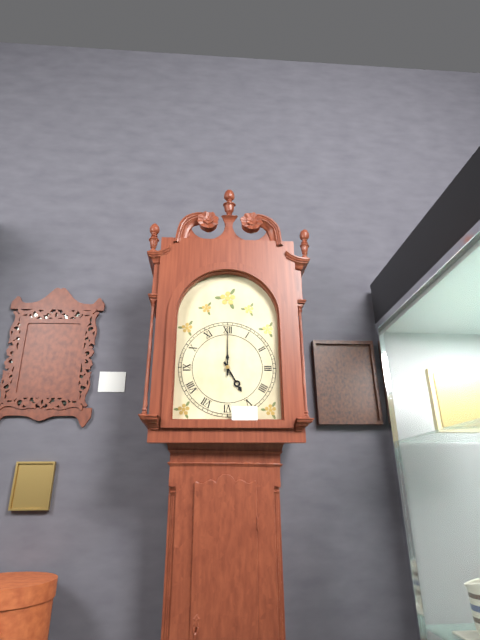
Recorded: h=5 m=0
